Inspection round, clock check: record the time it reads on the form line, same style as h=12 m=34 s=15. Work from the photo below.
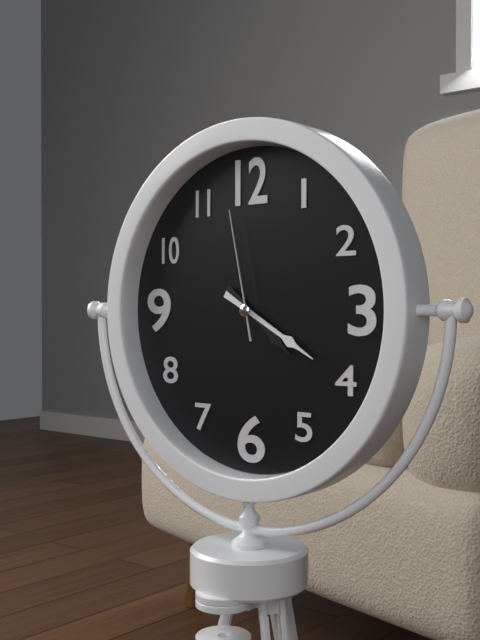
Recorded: h=4 m=20 s=58
